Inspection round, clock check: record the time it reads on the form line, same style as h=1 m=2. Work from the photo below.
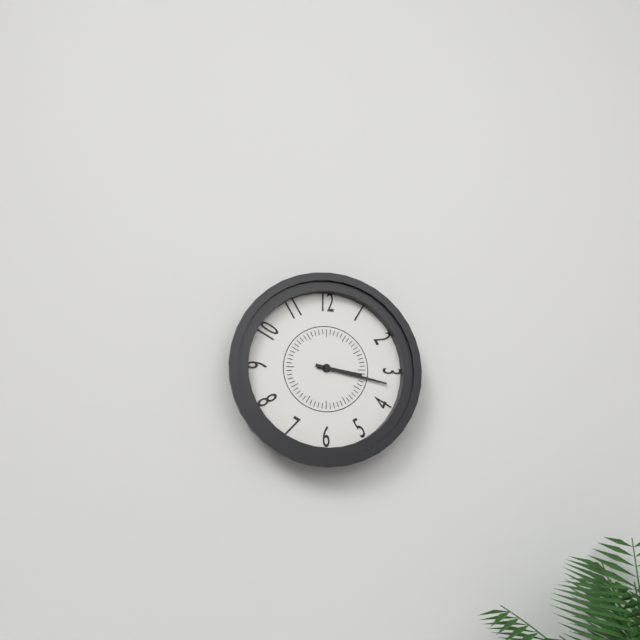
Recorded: h=3 m=17
